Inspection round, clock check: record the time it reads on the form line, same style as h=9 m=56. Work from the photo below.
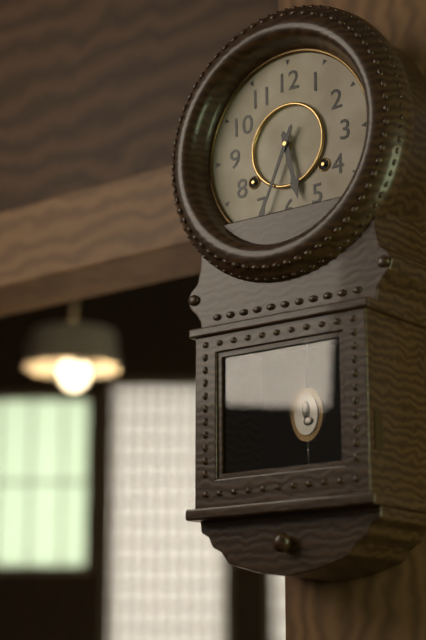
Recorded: h=5 m=34
